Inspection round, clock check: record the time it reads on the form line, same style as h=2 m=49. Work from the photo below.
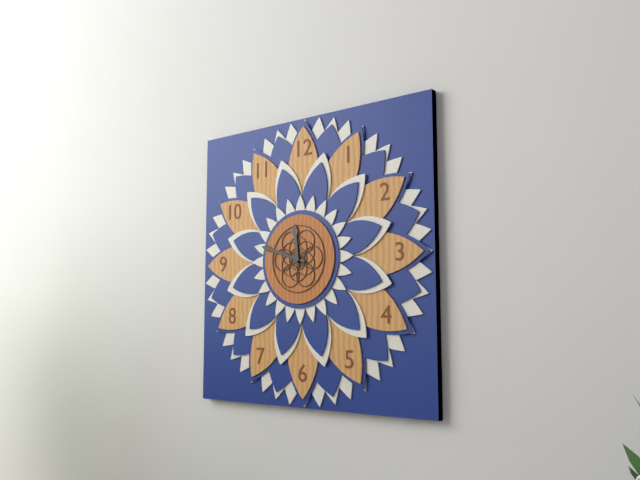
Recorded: h=11 m=48
